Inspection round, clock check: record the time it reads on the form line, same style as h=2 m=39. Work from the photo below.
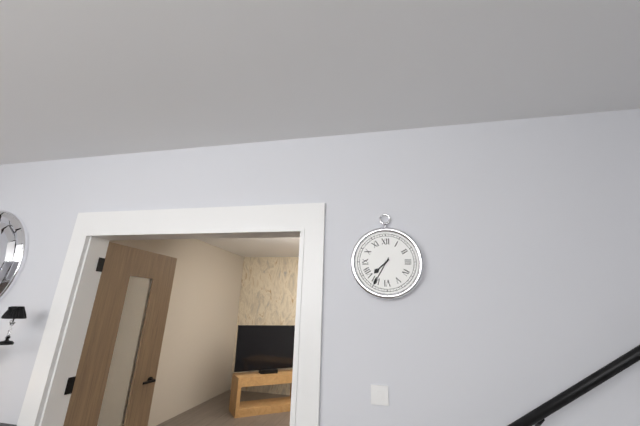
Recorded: h=7 m=35
